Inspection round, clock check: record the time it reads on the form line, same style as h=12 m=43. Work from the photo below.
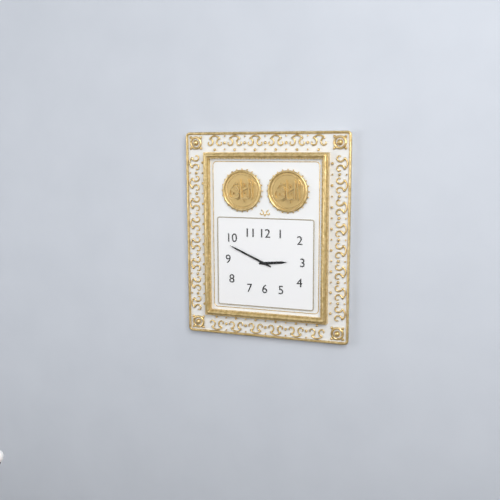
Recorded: h=2 m=49
